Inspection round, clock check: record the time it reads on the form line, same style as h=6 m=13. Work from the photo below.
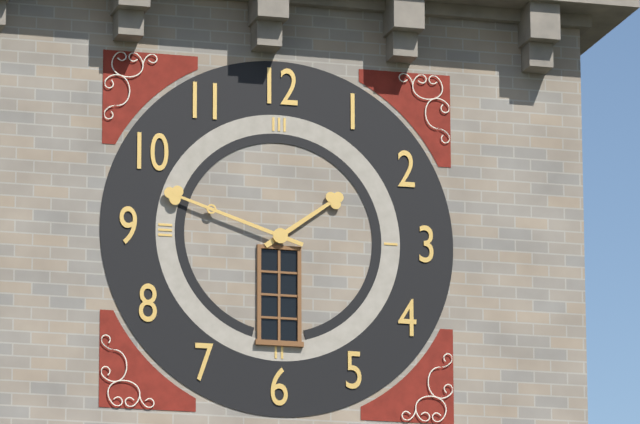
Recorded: h=1 m=48
